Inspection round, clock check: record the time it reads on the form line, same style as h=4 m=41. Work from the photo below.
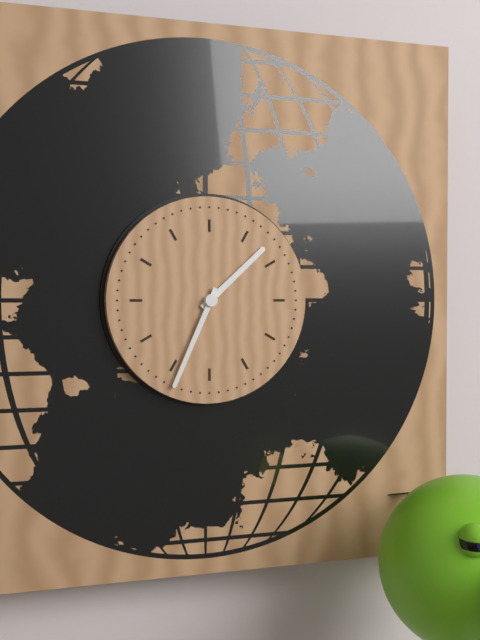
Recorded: h=1 m=34
